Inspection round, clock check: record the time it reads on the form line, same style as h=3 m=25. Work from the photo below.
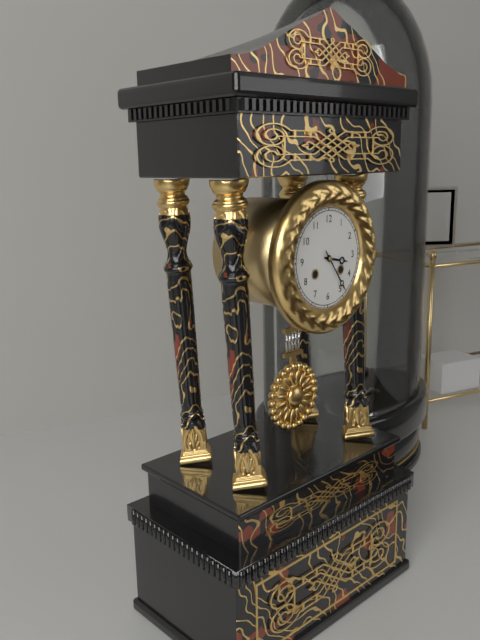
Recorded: h=3 m=24
